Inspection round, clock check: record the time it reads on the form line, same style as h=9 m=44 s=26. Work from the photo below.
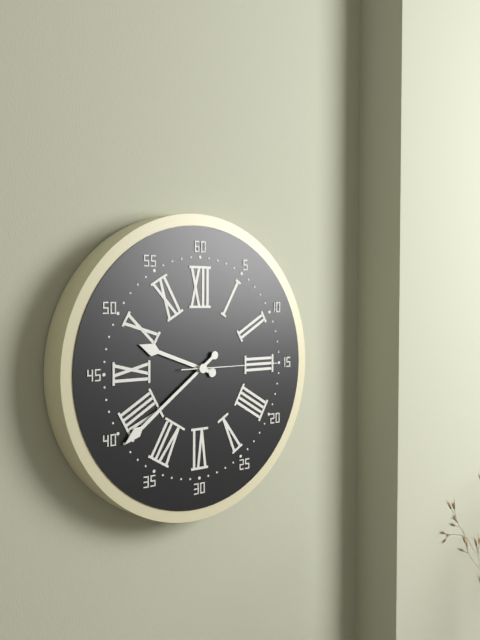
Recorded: h=9 m=39 s=15
